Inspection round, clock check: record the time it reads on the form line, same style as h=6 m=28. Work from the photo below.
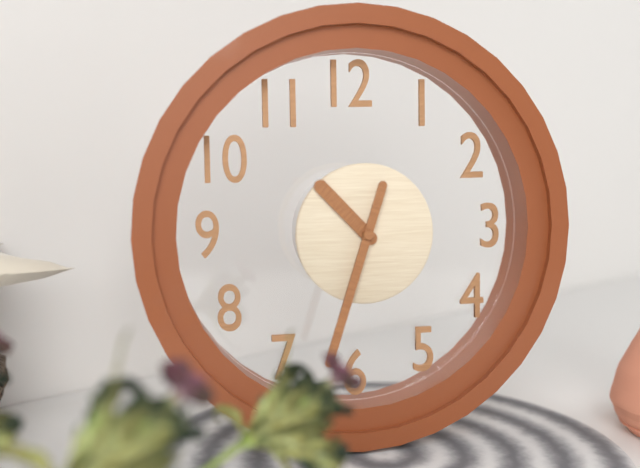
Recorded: h=10 m=33
